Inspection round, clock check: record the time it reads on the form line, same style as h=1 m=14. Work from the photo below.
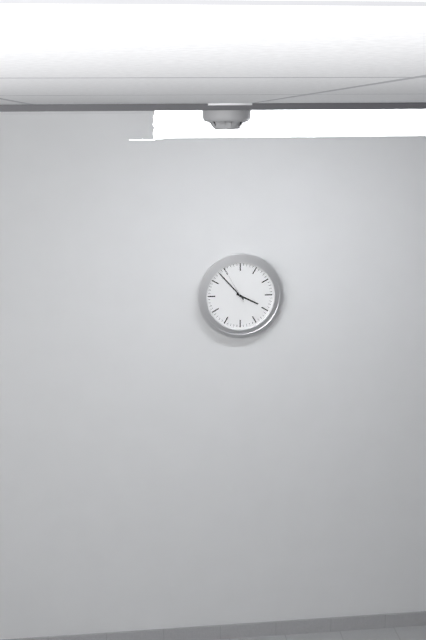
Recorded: h=3 m=53
